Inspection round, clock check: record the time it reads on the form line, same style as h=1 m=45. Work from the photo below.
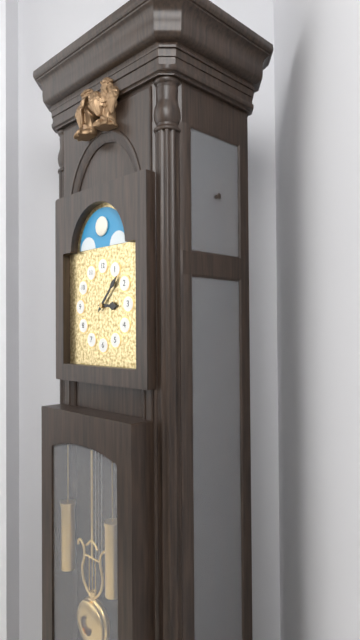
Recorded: h=3 m=7
